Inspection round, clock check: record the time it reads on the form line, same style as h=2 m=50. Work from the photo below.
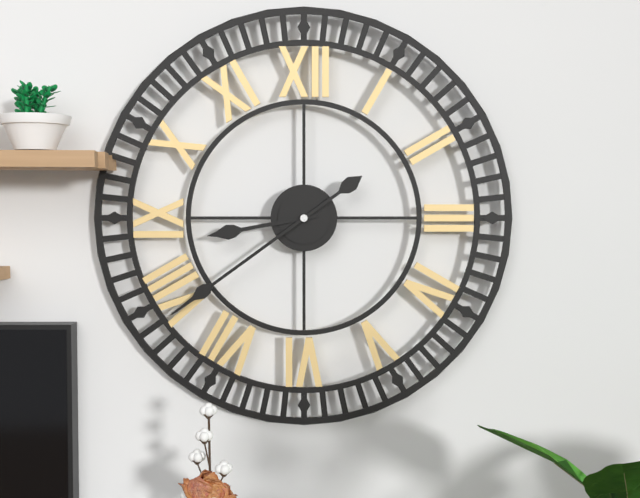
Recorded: h=8 m=39
